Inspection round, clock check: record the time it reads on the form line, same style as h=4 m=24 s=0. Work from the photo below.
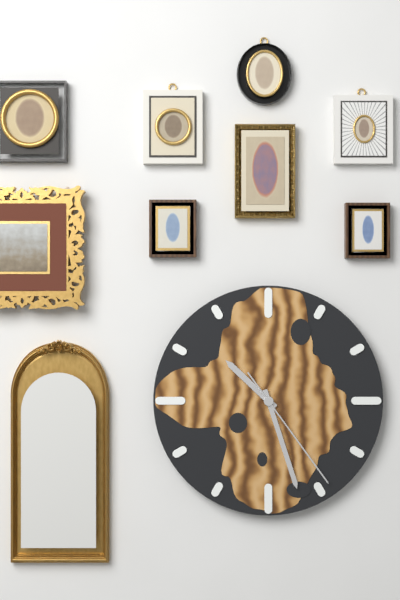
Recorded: h=10 m=27 s=24
